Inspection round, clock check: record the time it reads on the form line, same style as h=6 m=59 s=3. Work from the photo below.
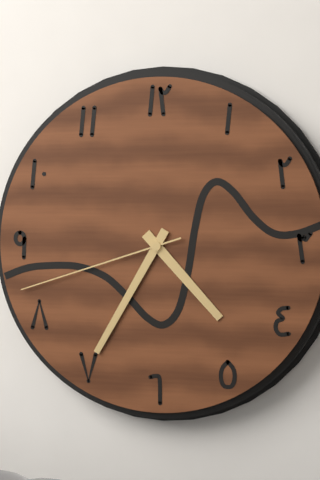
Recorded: h=4 m=35 s=42
